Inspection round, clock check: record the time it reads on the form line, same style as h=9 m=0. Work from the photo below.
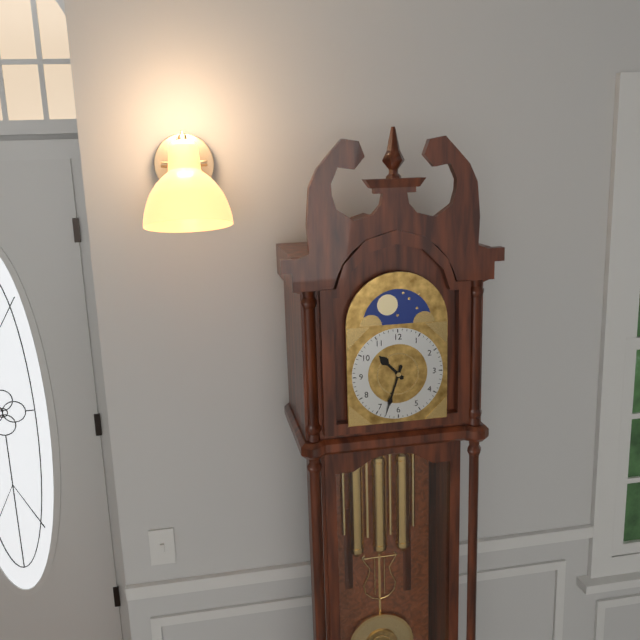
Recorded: h=10 m=33
